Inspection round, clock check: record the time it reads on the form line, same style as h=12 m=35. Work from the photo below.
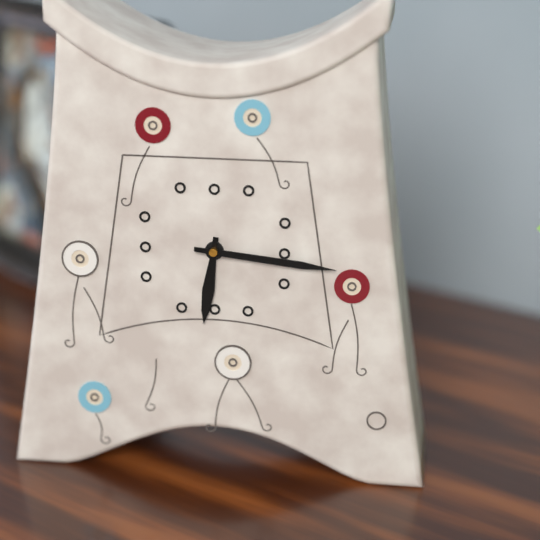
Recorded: h=6 m=16
